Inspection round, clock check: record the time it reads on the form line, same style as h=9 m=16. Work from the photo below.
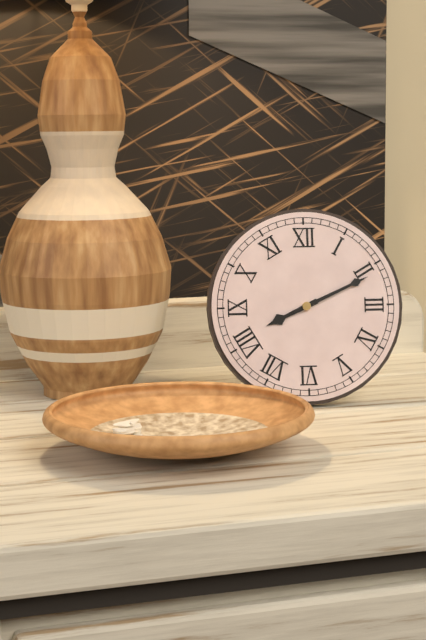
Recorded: h=8 m=11
